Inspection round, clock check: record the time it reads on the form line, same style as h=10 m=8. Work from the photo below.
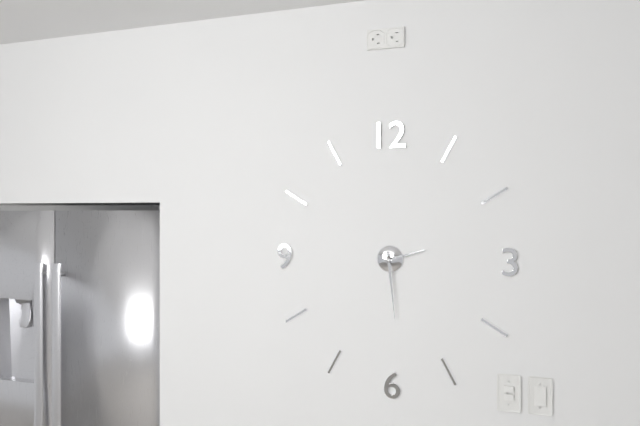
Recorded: h=2 m=29
